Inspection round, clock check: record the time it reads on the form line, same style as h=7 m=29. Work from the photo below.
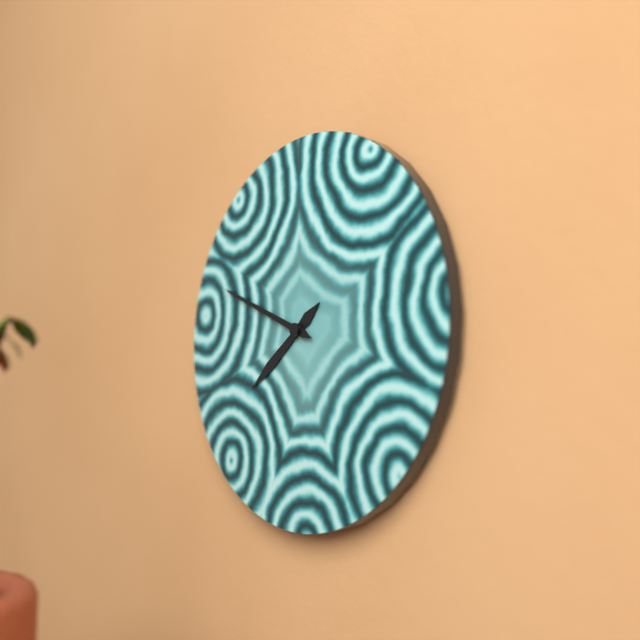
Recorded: h=7 m=49
